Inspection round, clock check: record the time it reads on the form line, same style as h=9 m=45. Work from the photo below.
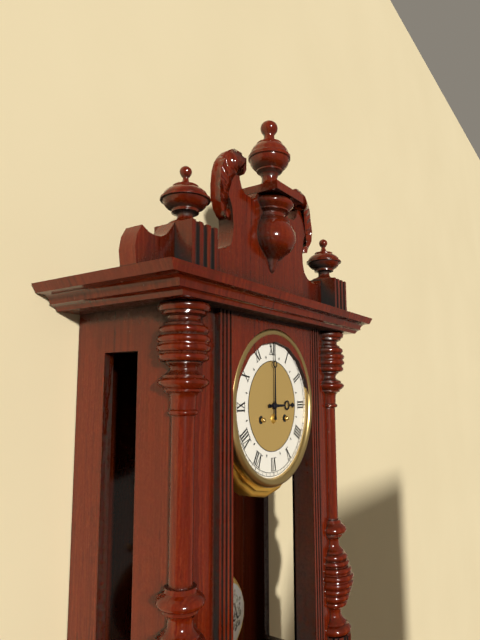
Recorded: h=3 m=0
